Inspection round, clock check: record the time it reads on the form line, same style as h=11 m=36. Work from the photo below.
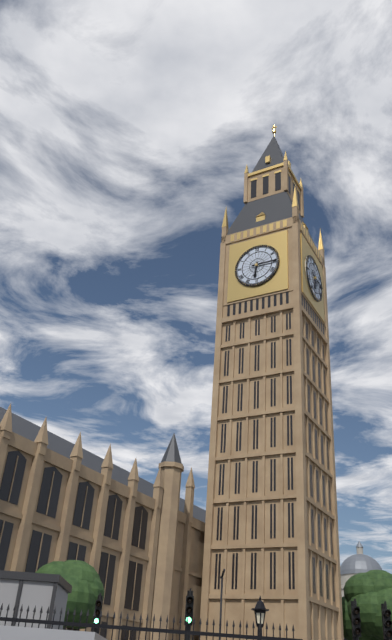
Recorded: h=6 m=15
